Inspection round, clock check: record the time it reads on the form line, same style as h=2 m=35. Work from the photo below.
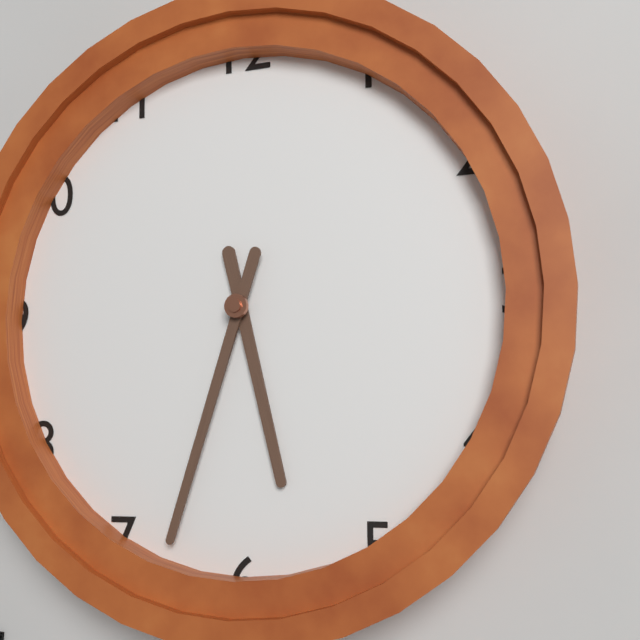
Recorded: h=5 m=33
